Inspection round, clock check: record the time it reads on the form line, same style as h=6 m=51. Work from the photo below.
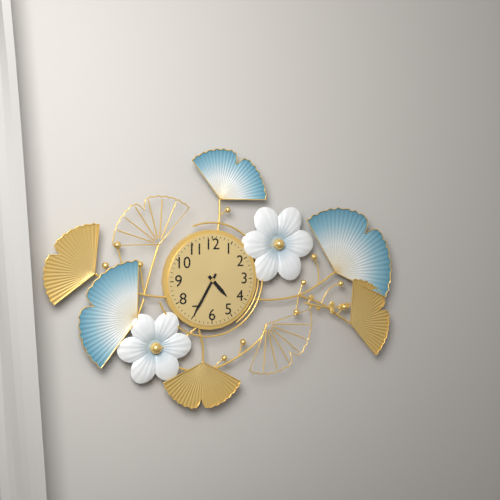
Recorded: h=4 m=35
